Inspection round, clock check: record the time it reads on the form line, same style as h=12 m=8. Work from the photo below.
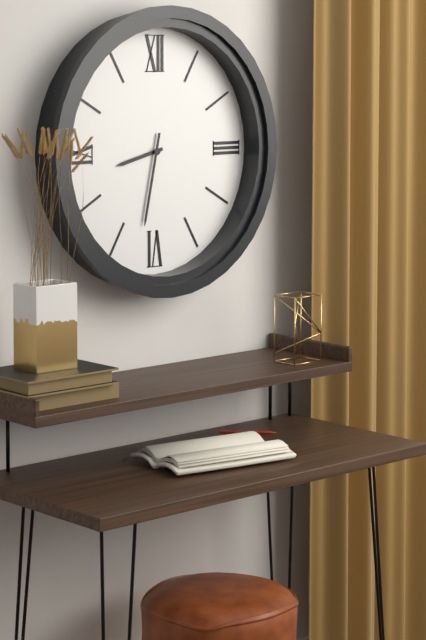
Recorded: h=8 m=32
